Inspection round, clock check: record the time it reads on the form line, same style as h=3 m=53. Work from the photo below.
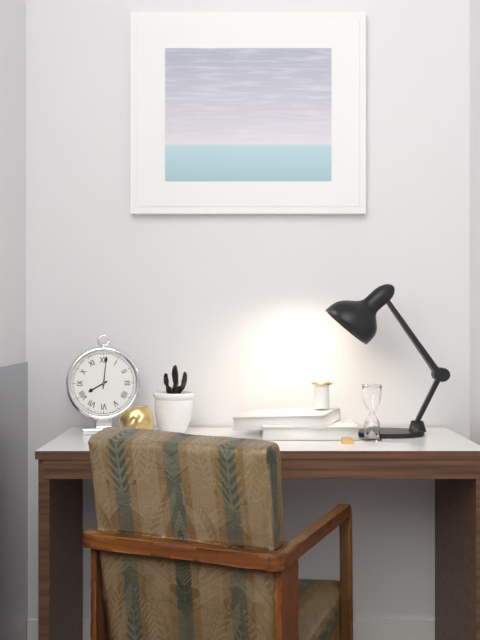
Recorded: h=8 m=1
